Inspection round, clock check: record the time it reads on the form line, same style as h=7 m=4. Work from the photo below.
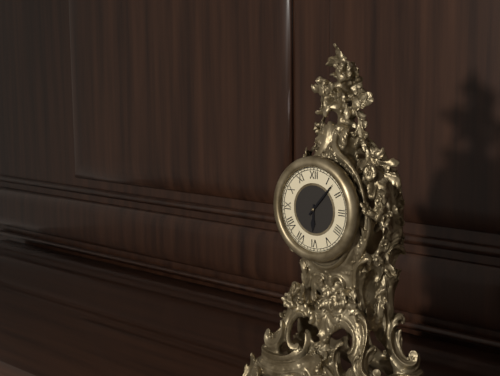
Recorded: h=6 m=7
